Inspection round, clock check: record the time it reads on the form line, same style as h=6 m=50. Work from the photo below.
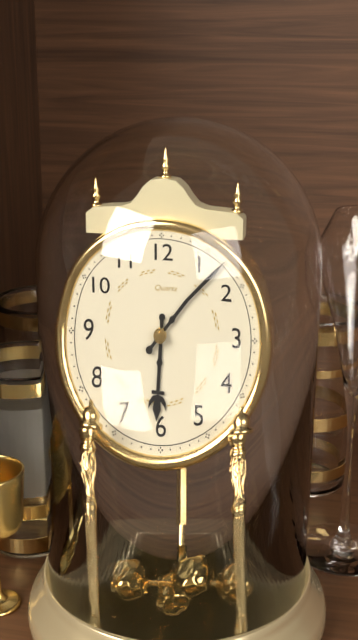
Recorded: h=6 m=7
